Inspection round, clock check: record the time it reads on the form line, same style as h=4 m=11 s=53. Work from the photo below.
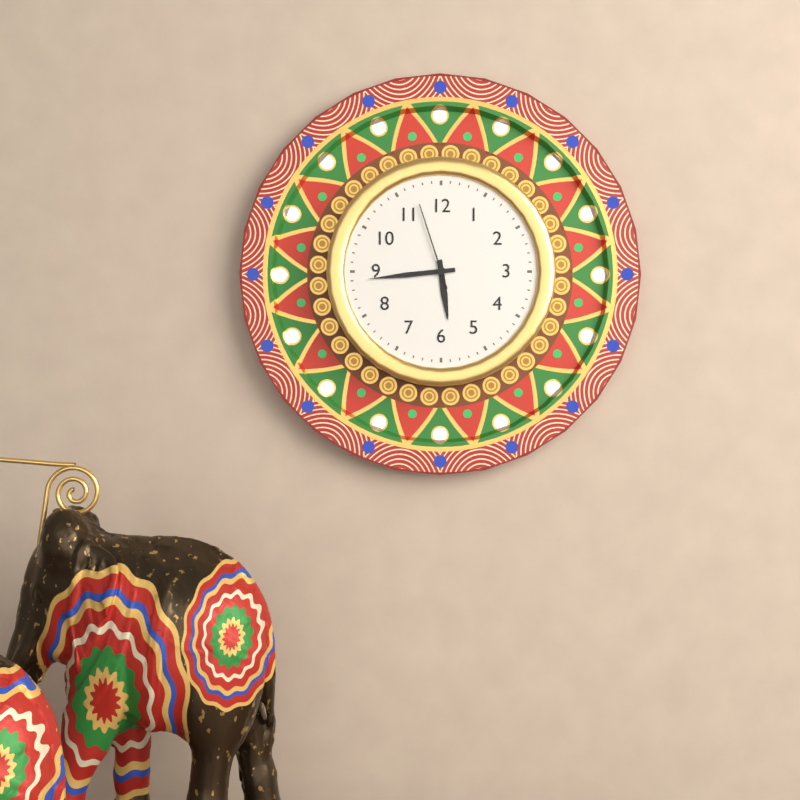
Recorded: h=5 m=44 s=57
